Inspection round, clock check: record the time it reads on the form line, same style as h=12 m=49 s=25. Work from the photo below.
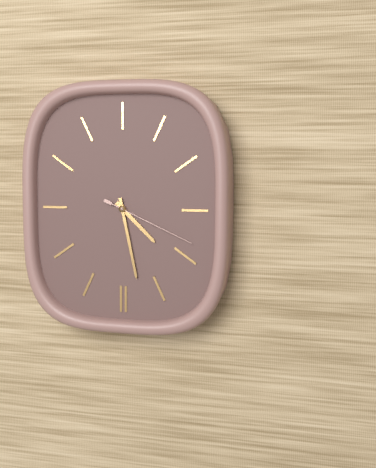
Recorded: h=4 m=28 s=19
